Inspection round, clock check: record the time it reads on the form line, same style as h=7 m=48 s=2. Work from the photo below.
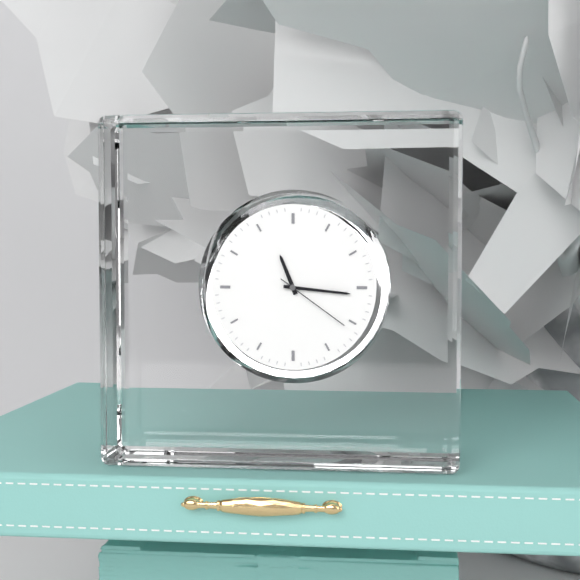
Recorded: h=11 m=16 s=21
